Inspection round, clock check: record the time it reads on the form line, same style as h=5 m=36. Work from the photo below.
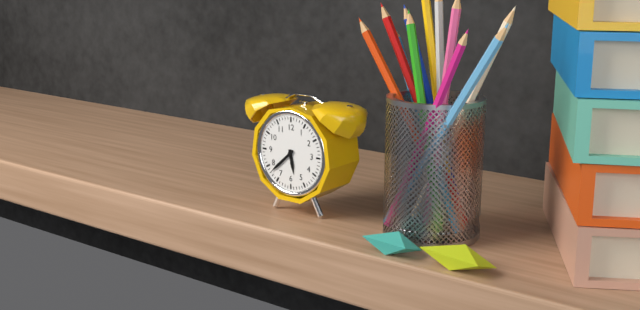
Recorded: h=5 m=38
